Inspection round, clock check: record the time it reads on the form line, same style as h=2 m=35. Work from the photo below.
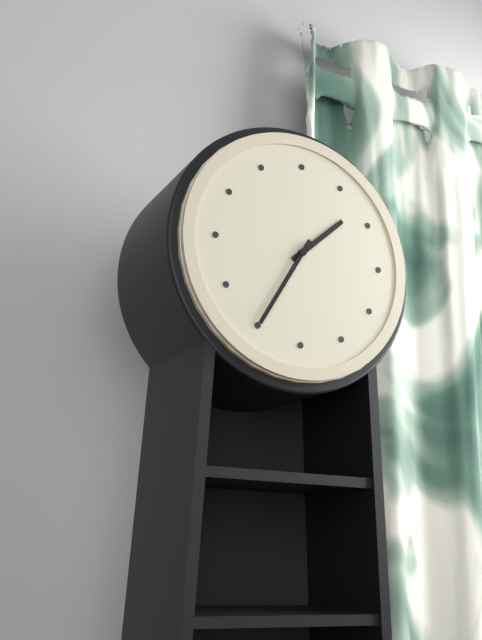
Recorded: h=1 m=35
